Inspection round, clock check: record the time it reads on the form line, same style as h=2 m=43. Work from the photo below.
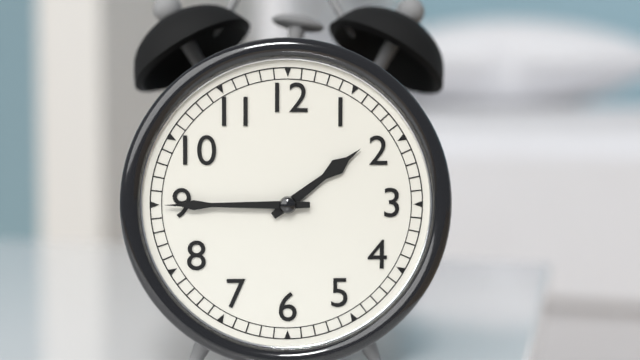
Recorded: h=1 m=45
